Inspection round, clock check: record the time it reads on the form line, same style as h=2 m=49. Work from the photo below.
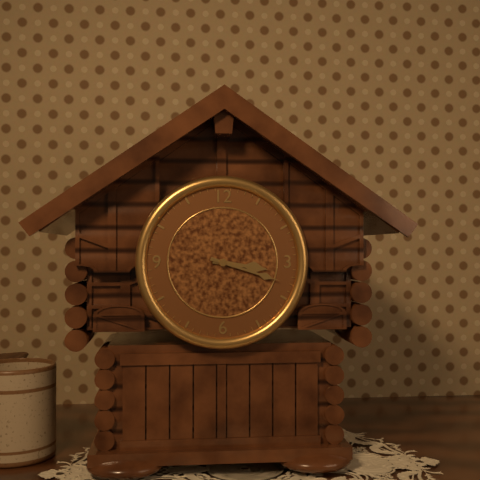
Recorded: h=3 m=18
